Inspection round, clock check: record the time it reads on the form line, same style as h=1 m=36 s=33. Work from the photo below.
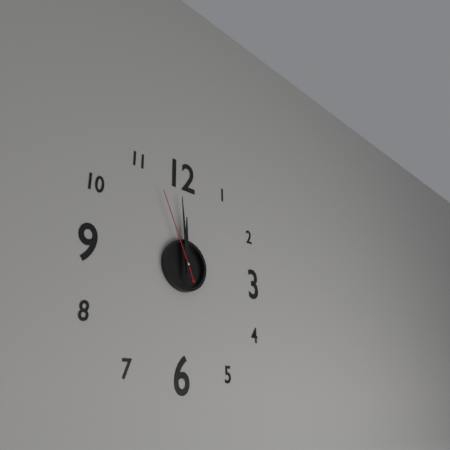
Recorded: h=11 m=59 s=56
